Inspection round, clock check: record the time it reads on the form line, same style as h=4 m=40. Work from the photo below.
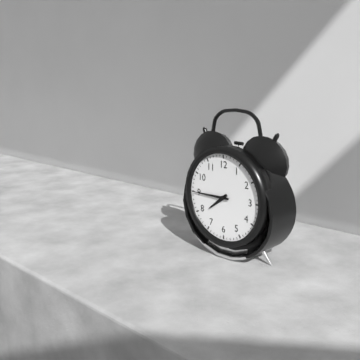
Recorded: h=7 m=45
